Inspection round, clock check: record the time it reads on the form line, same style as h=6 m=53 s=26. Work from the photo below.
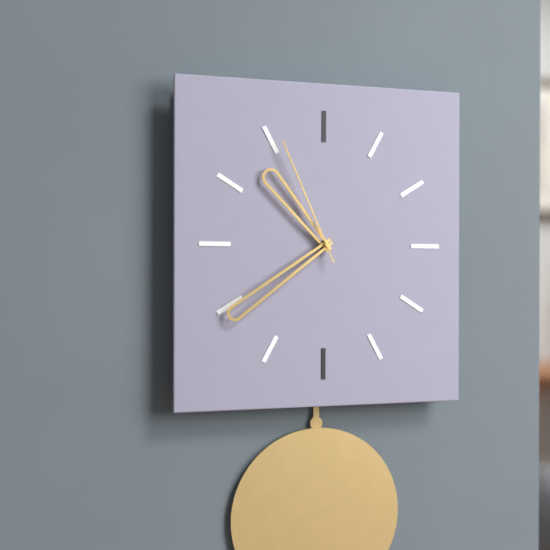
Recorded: h=10 m=39 s=56
